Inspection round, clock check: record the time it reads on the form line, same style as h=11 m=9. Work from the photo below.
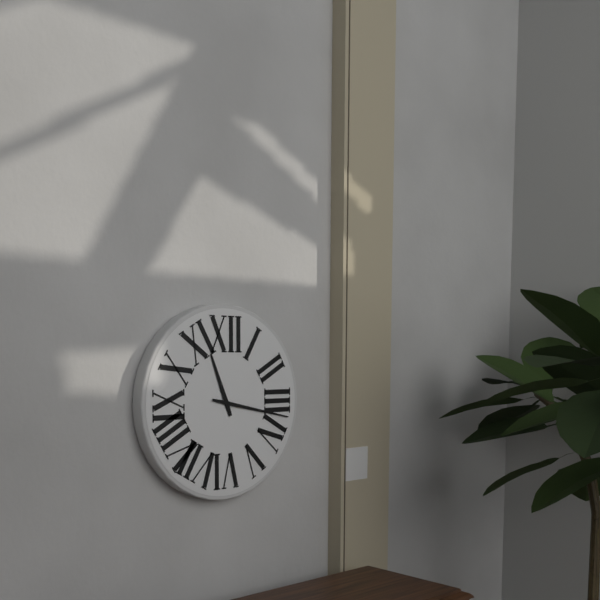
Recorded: h=11 m=17
